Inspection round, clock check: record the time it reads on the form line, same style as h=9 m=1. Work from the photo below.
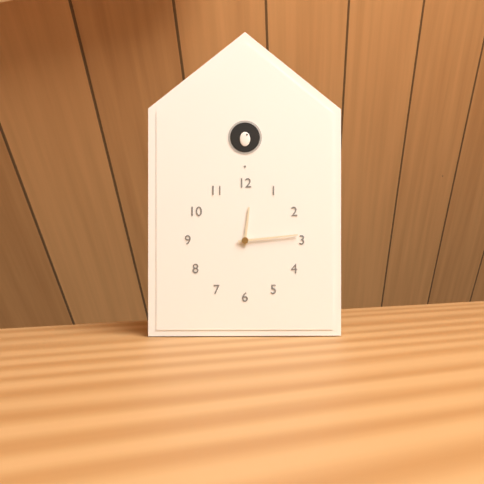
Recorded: h=12 m=14
